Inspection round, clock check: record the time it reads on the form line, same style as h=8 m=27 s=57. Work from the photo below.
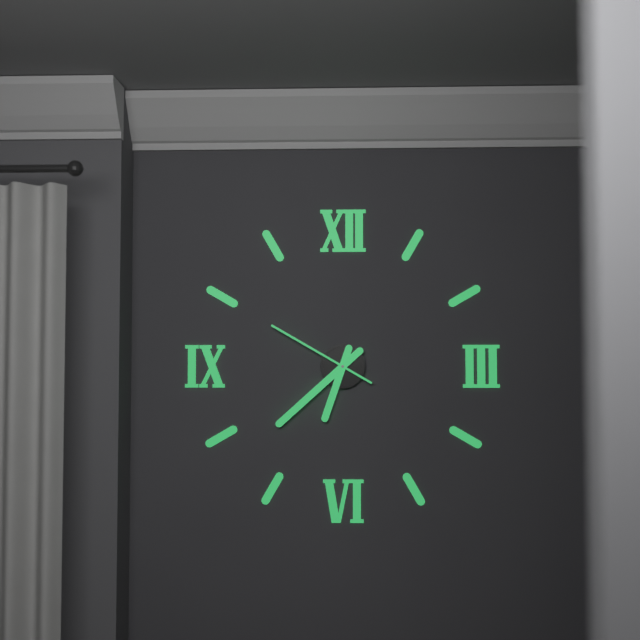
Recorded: h=6 m=38 s=50
